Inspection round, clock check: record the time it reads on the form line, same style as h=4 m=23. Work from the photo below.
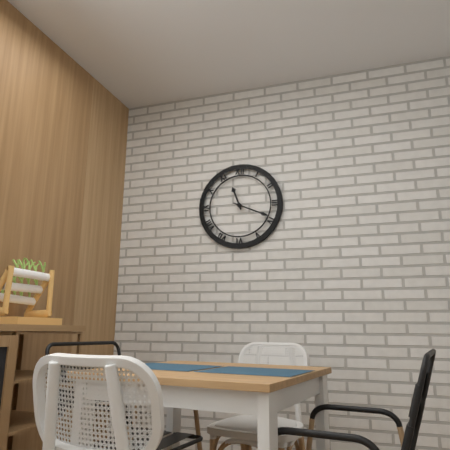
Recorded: h=11 m=19
